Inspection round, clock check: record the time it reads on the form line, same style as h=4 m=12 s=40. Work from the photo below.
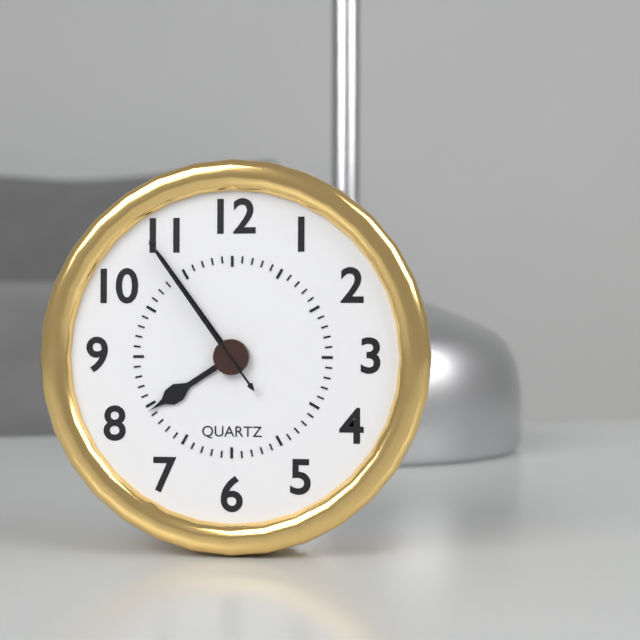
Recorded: h=7 m=54 s=54
